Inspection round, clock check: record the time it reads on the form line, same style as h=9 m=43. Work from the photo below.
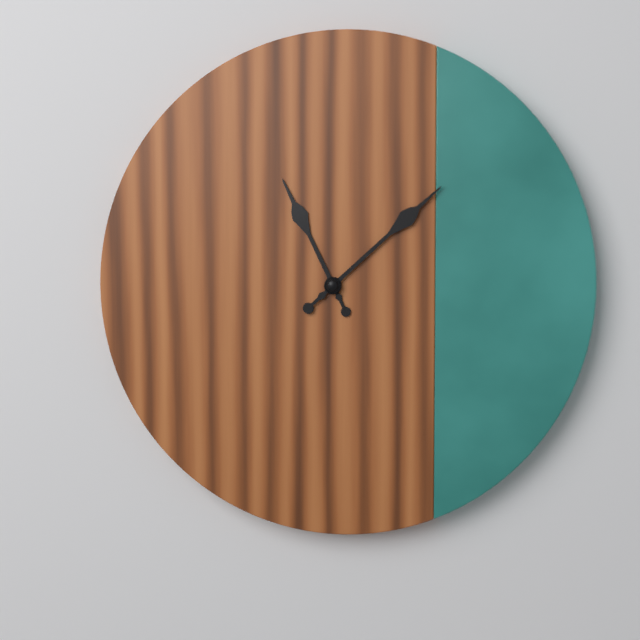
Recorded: h=11 m=8
